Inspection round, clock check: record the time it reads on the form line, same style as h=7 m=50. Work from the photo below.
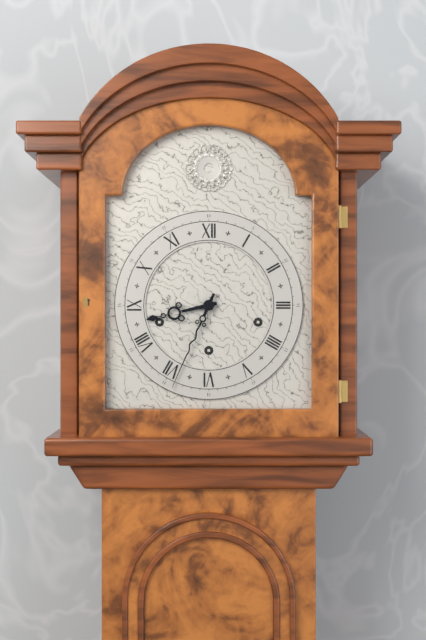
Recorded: h=8 m=34
